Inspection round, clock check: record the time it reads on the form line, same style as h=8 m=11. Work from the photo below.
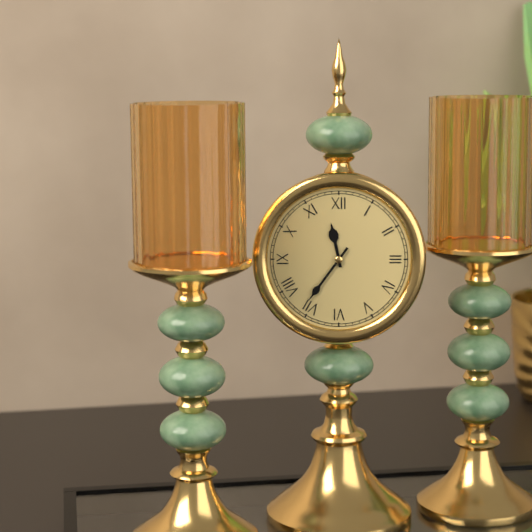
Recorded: h=11 m=36
